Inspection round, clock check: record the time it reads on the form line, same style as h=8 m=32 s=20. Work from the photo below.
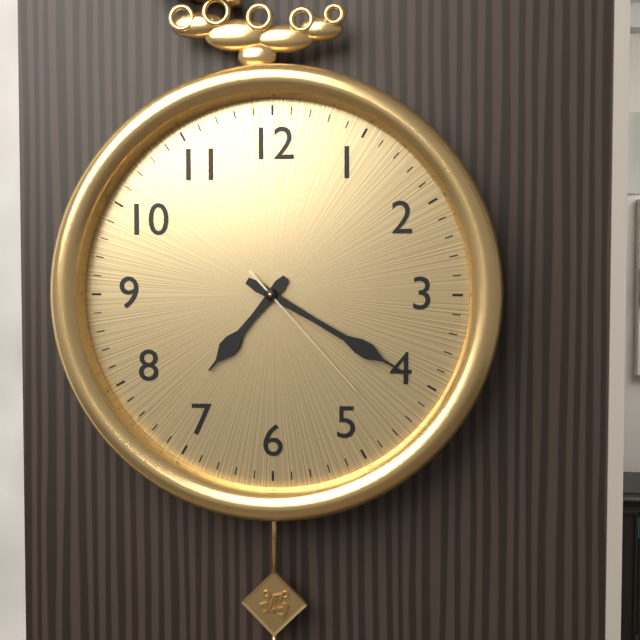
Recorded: h=7 m=20 s=23
